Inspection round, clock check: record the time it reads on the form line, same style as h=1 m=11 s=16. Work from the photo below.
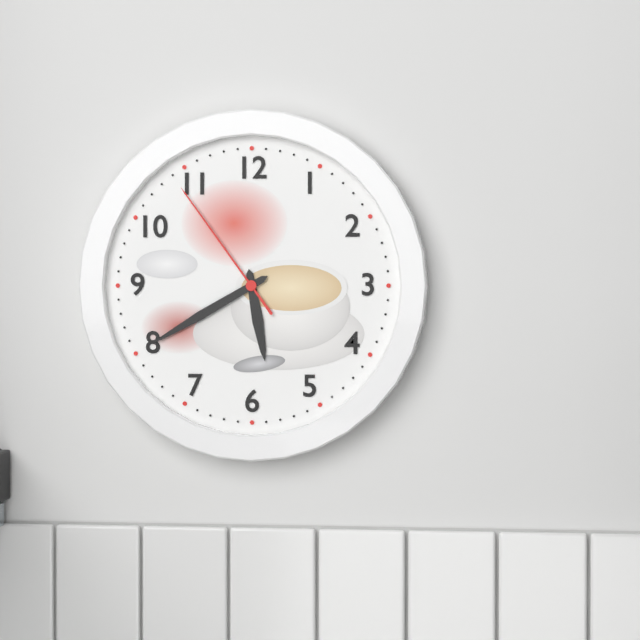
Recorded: h=5 m=40 s=54
